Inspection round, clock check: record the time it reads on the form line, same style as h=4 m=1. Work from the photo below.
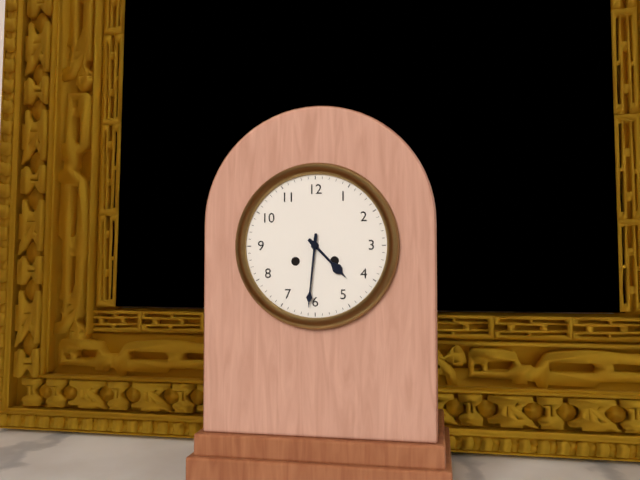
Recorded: h=4 m=31
